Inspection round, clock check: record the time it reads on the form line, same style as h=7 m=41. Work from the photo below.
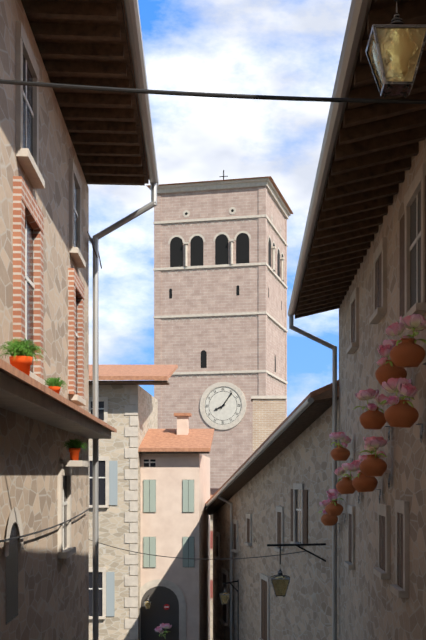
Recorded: h=8 m=6
